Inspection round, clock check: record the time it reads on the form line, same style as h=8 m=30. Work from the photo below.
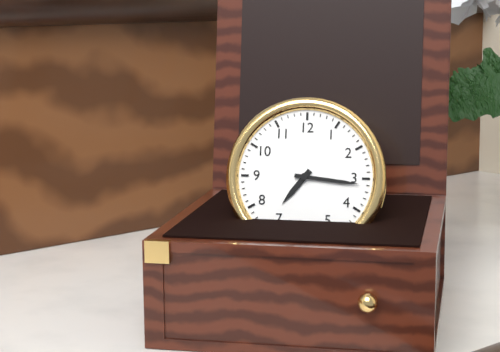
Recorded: h=7 m=16
